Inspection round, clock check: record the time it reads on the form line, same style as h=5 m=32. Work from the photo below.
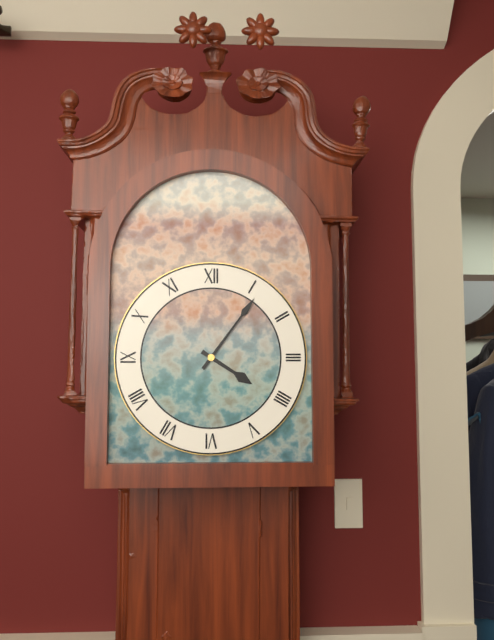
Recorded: h=4 m=6
